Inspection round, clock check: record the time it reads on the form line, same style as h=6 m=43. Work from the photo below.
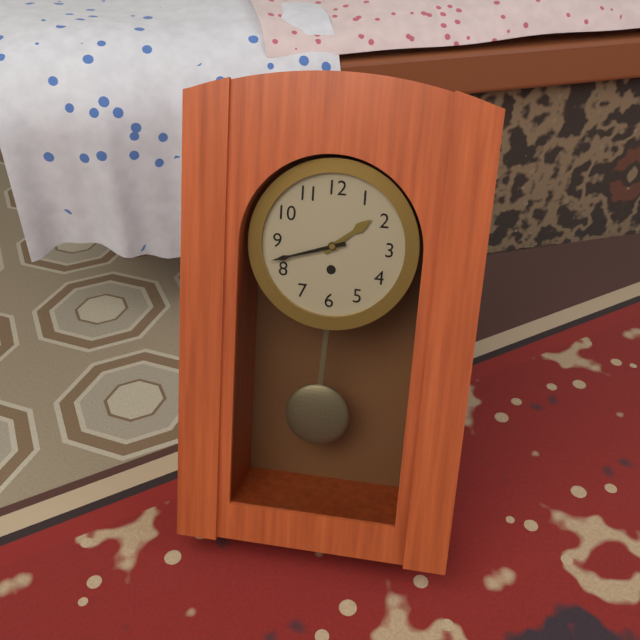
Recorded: h=1 m=42
